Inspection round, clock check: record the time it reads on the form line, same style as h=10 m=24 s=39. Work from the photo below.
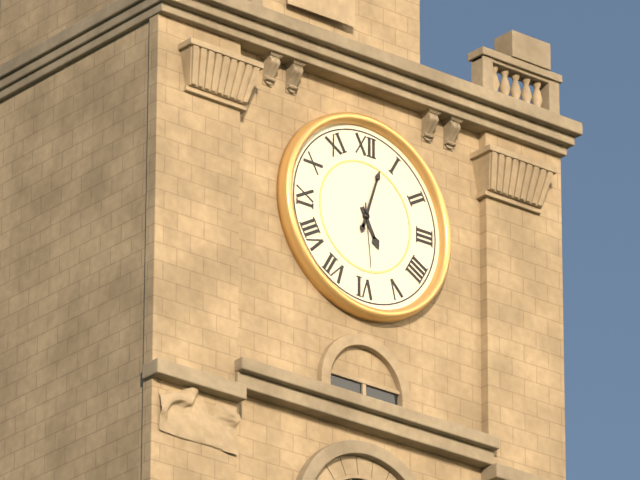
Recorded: h=5 m=3 s=29
